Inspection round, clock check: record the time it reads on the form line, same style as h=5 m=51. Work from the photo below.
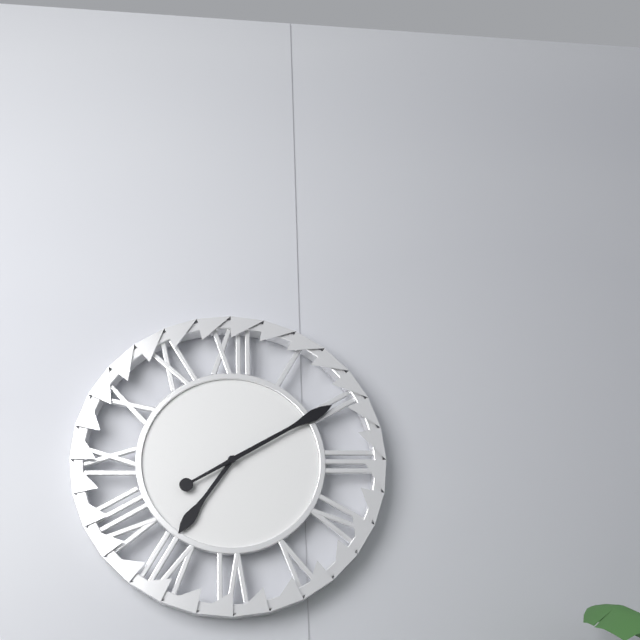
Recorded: h=7 m=10
